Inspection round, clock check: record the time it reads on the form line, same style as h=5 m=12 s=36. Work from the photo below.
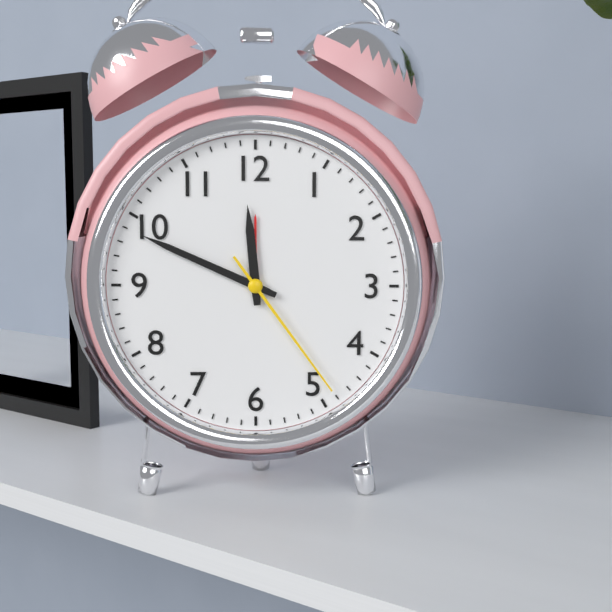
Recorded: h=11 m=49 s=24
